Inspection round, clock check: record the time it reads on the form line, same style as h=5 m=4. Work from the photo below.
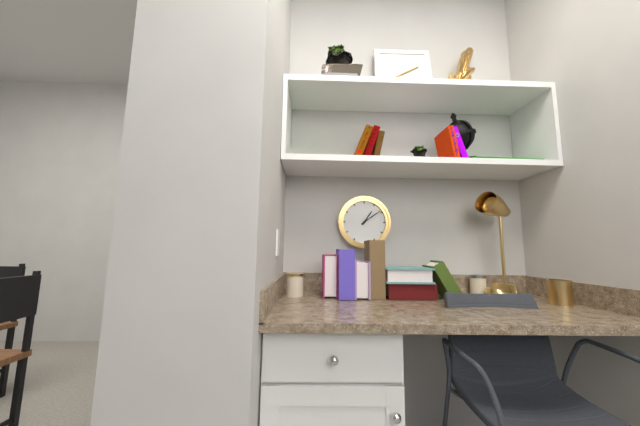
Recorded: h=1 m=9
